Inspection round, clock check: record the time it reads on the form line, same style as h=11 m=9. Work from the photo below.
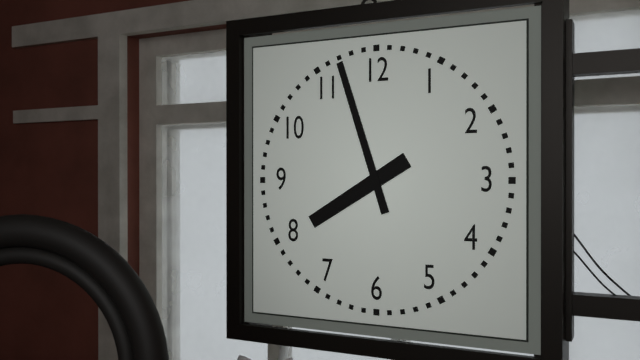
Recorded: h=7 m=57
